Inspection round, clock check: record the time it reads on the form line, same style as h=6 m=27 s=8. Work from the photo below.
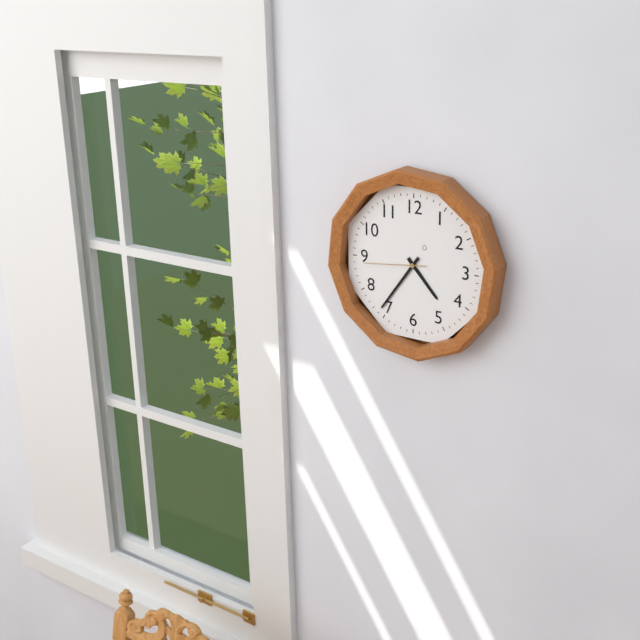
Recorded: h=4 m=36 s=44
